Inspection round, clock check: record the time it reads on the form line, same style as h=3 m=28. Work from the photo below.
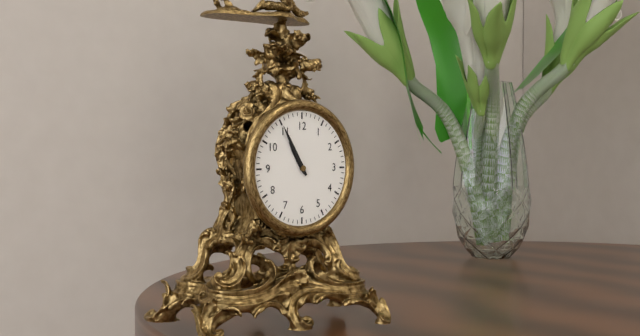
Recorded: h=10 m=55
